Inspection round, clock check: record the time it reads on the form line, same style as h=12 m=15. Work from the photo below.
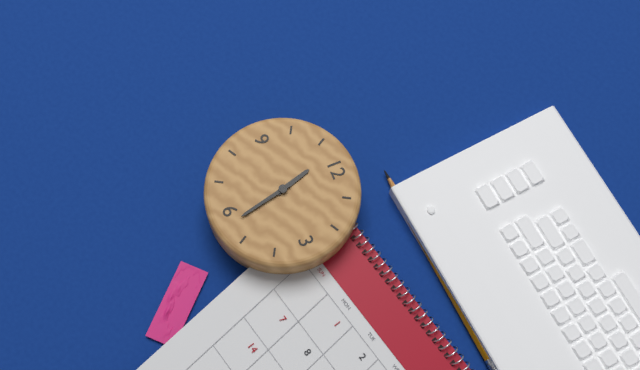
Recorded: h=11 m=28
